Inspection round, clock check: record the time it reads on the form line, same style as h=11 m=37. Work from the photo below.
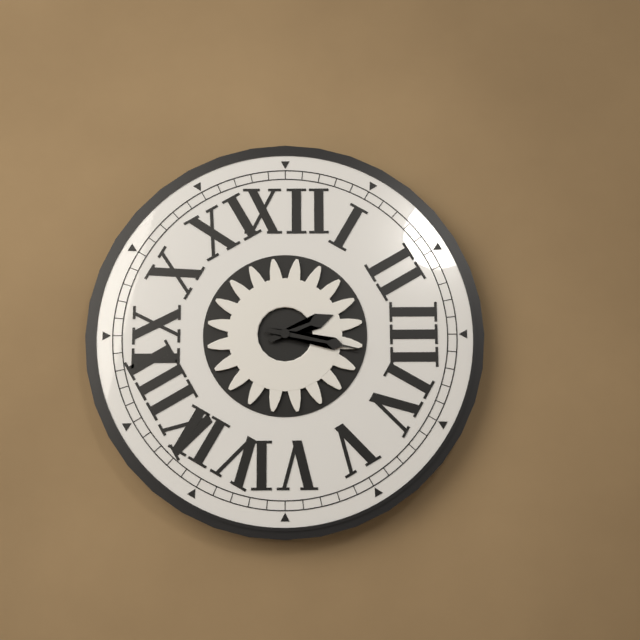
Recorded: h=2 m=17
